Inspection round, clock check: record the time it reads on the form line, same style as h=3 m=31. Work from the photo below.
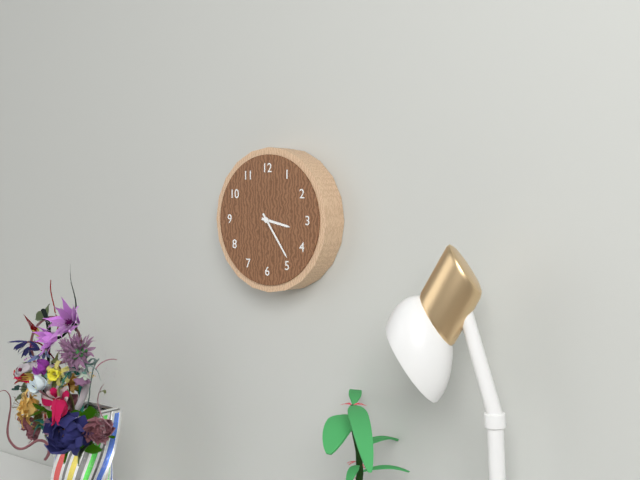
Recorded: h=3 m=24
